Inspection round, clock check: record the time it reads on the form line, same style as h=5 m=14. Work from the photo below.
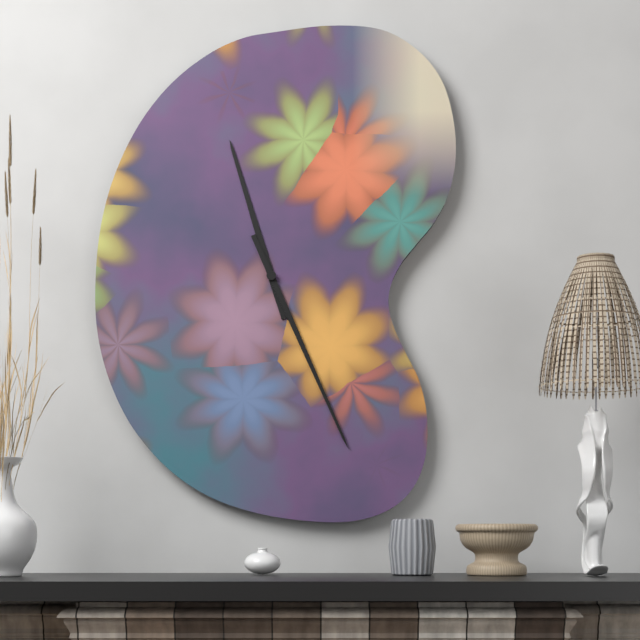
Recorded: h=11 m=26
